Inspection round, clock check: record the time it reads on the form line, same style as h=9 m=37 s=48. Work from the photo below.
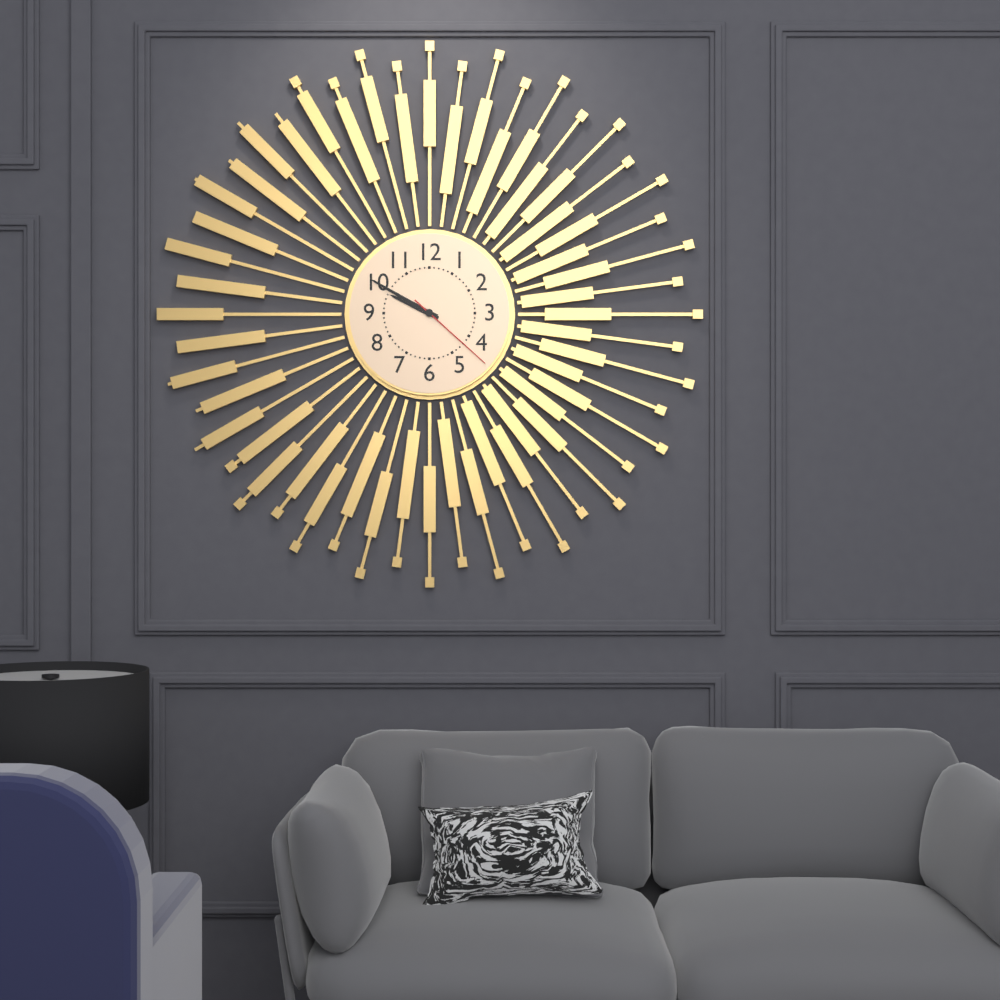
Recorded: h=9 m=50 s=22
